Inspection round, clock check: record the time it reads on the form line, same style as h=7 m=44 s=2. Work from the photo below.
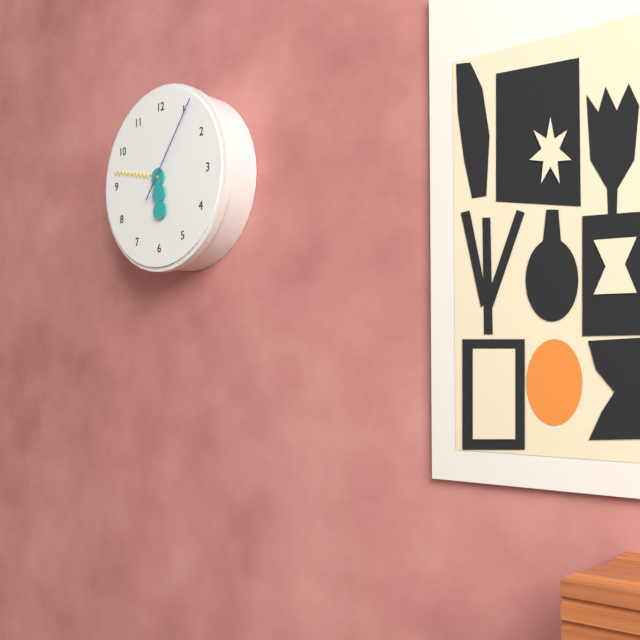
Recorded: h=5 m=47 s=6
